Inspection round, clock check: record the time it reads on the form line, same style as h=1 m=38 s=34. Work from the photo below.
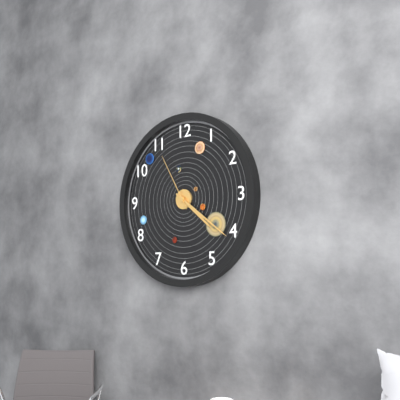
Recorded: h=4 m=21 s=55
